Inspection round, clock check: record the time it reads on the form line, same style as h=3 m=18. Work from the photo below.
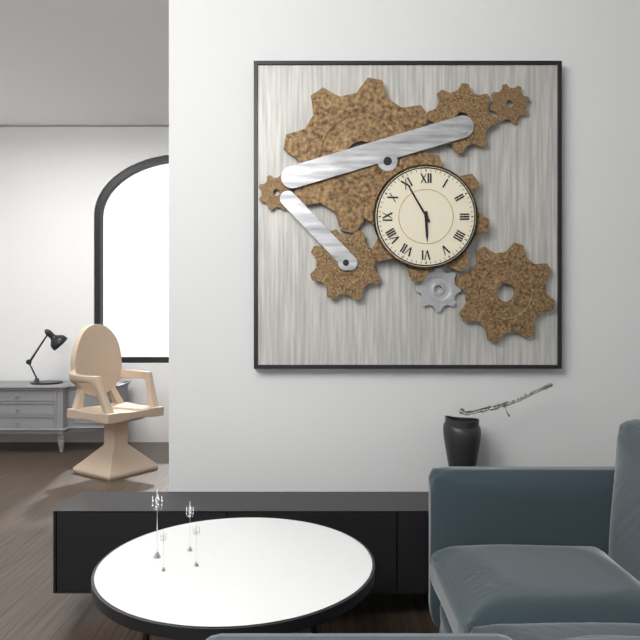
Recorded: h=5 m=55
